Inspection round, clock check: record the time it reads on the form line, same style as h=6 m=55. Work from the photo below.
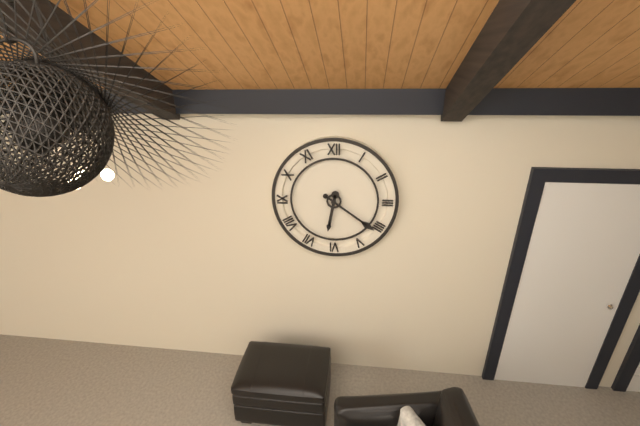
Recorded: h=6 m=21
